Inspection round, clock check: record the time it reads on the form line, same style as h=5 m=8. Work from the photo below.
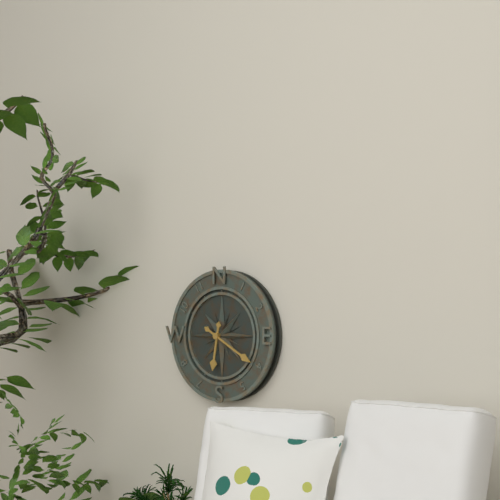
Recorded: h=6 m=20
